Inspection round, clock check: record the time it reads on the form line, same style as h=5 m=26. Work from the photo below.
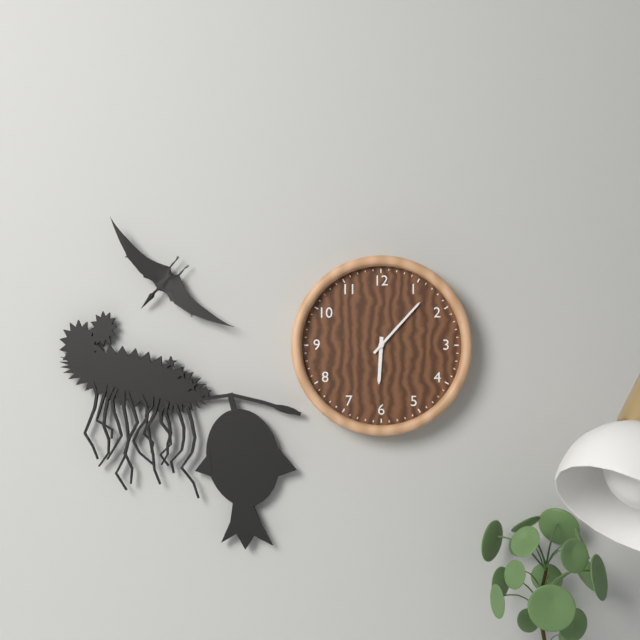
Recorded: h=6 m=7
